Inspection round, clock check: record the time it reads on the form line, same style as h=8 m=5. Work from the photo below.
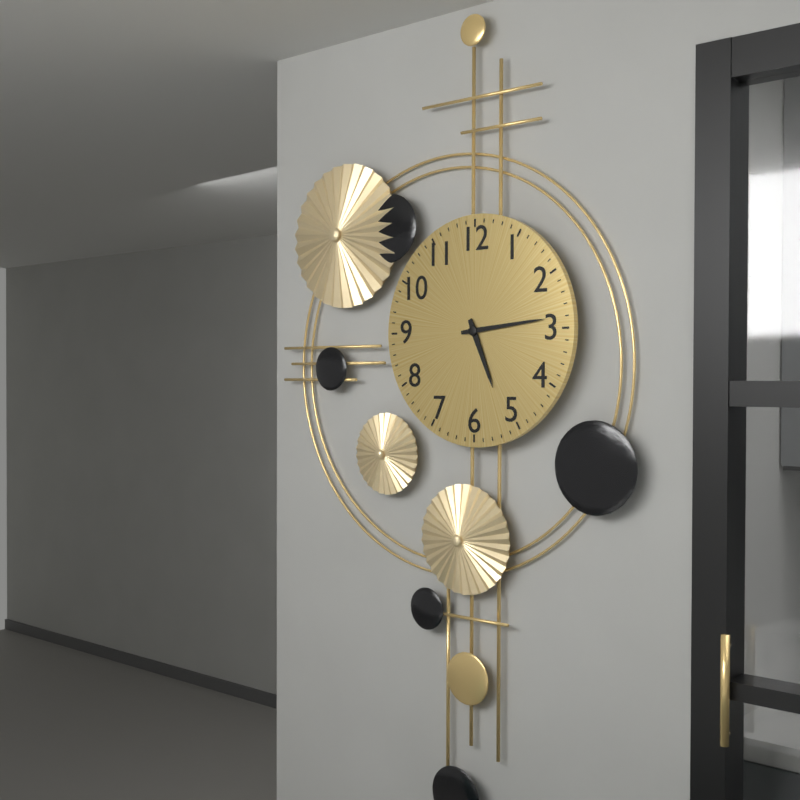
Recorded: h=5 m=14
